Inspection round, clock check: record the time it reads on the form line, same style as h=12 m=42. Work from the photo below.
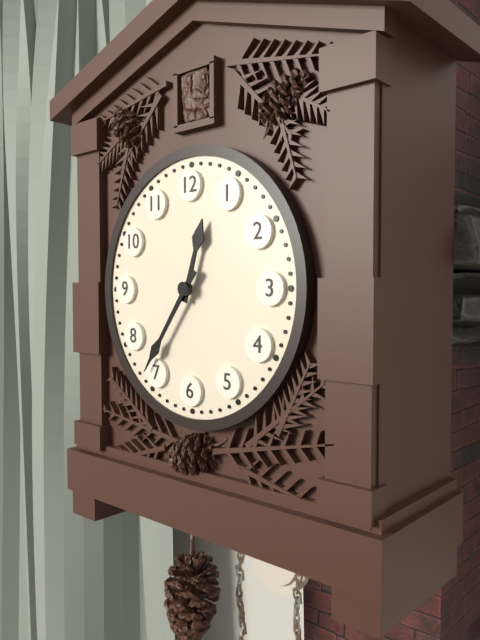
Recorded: h=12 m=36
